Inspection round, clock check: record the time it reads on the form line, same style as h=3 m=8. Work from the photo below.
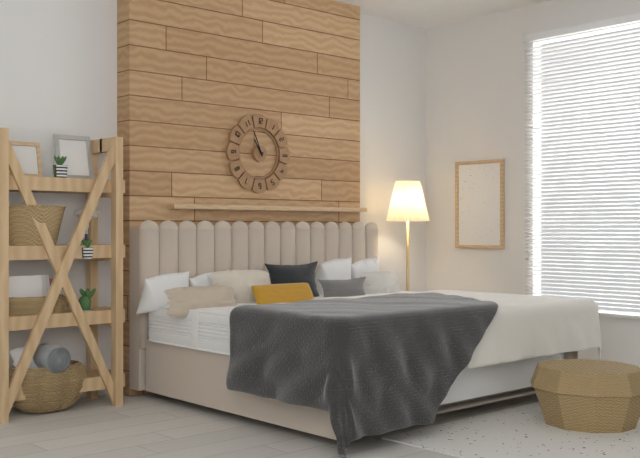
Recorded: h=10 m=56
